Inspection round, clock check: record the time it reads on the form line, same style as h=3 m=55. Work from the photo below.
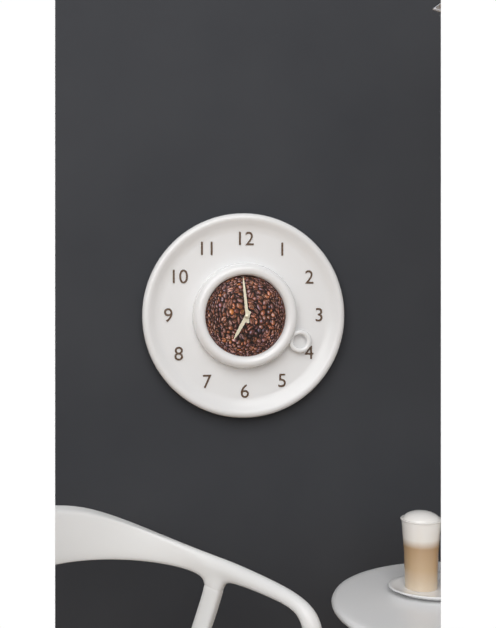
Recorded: h=6 m=59
